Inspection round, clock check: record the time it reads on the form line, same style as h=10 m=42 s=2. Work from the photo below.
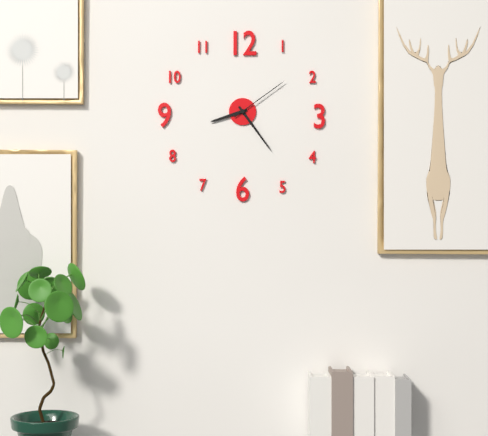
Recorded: h=8 m=24 s=9
